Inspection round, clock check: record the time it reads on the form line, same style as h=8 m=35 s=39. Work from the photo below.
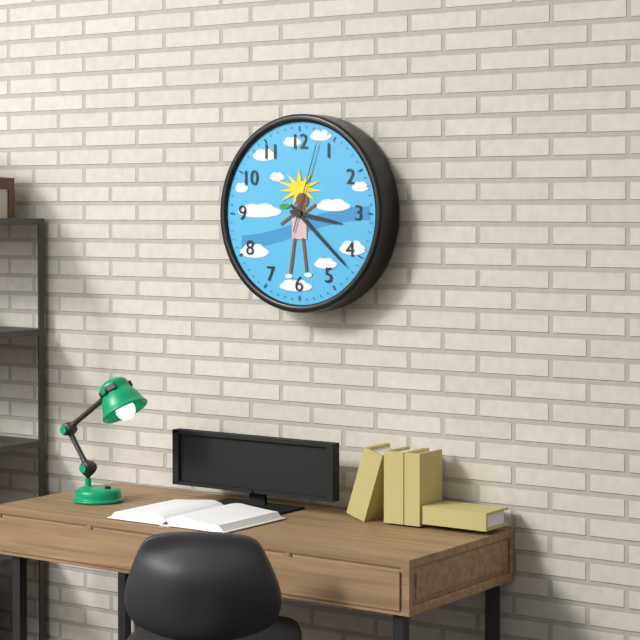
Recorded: h=3 m=22 s=3
